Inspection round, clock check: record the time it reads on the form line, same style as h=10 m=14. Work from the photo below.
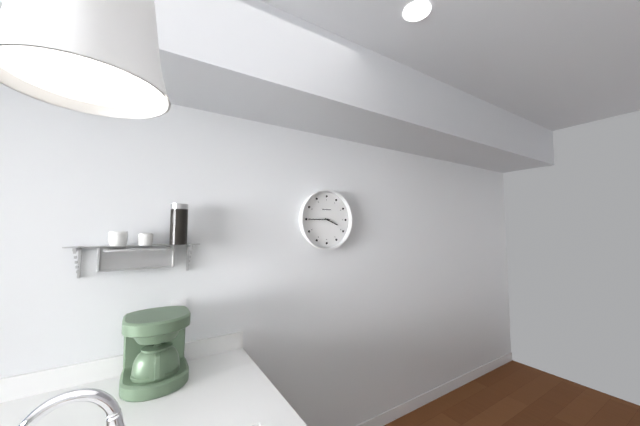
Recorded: h=3 m=45
